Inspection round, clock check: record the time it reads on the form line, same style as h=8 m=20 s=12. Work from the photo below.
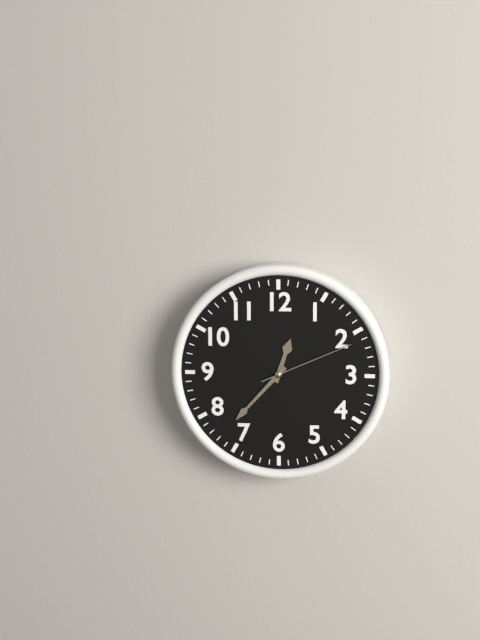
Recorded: h=12 m=37 s=11
